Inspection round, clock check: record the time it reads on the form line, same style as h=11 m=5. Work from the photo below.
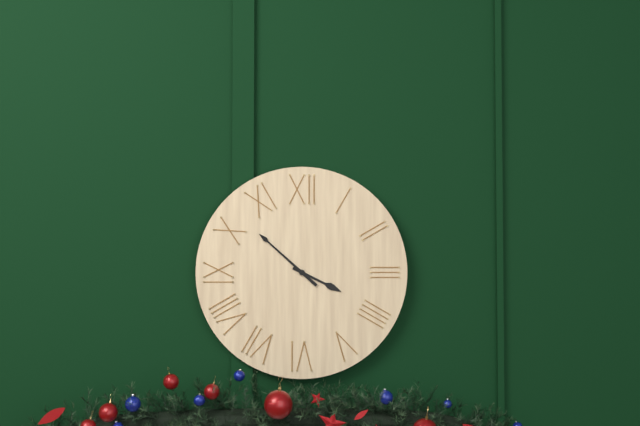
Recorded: h=3 m=52
